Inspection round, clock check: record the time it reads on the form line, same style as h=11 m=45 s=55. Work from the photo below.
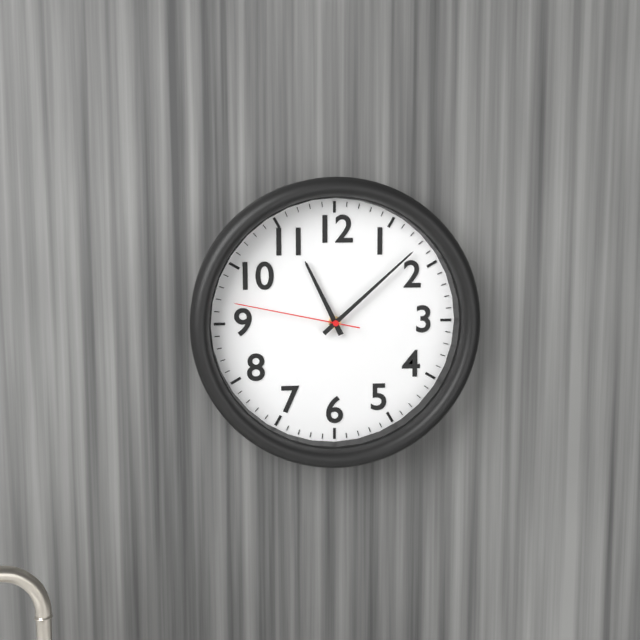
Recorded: h=11 m=8 s=47
